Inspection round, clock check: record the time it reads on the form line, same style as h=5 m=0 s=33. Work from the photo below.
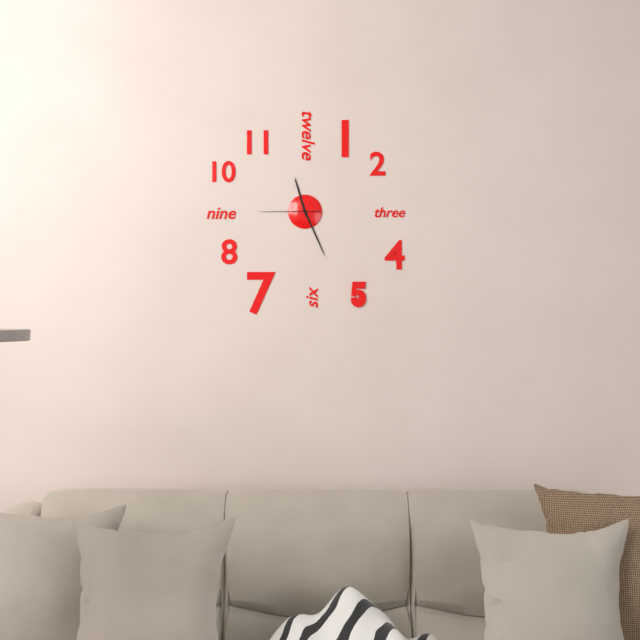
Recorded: h=11 m=26 s=45
